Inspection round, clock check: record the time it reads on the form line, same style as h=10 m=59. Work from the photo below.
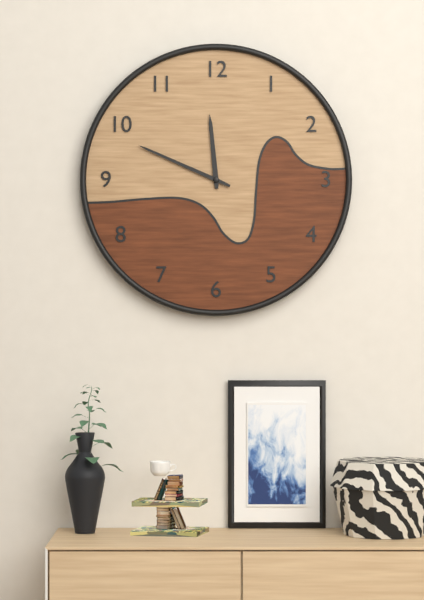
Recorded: h=11 m=49
